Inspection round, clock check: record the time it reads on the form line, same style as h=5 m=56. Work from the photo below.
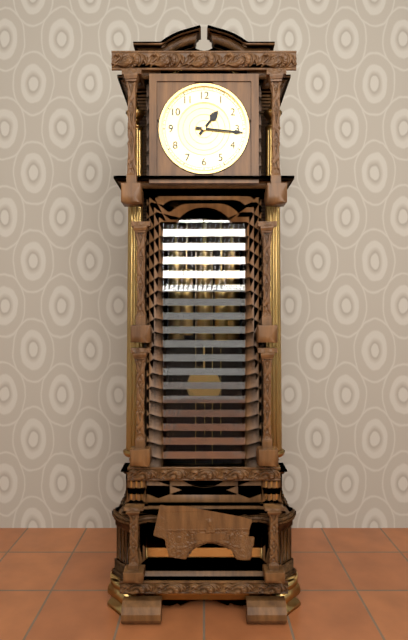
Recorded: h=1 m=16
